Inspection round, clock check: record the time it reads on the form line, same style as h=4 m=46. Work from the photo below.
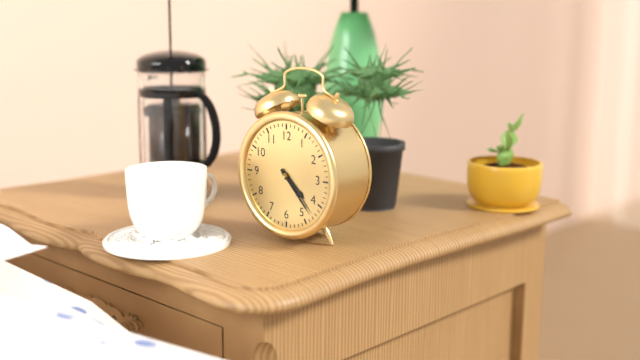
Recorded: h=4 m=23
